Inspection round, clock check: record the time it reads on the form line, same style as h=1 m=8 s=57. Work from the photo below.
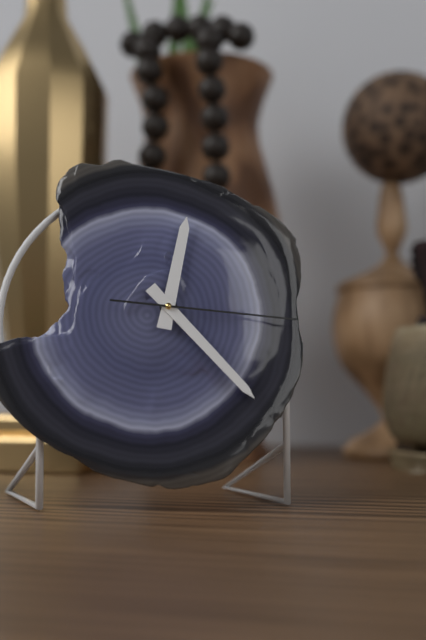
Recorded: h=12 m=23 s=16
